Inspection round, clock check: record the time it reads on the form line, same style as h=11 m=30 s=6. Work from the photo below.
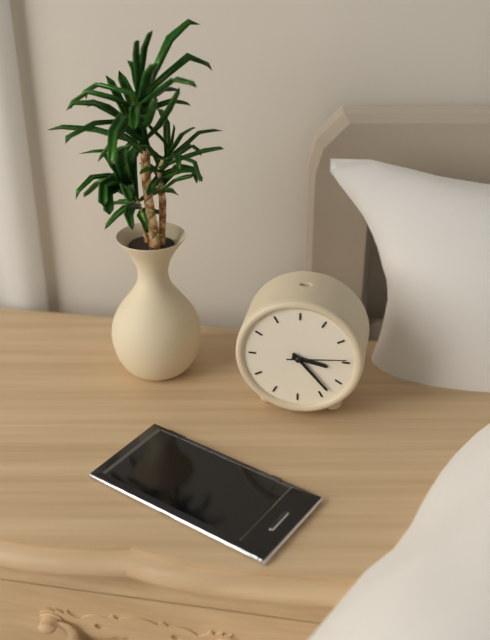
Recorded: h=3 m=23 s=14
